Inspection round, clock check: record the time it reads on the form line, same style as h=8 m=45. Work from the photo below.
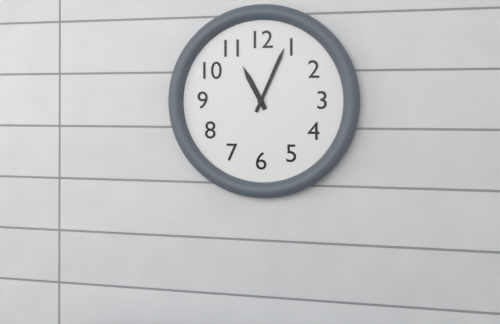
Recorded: h=11 m=4
